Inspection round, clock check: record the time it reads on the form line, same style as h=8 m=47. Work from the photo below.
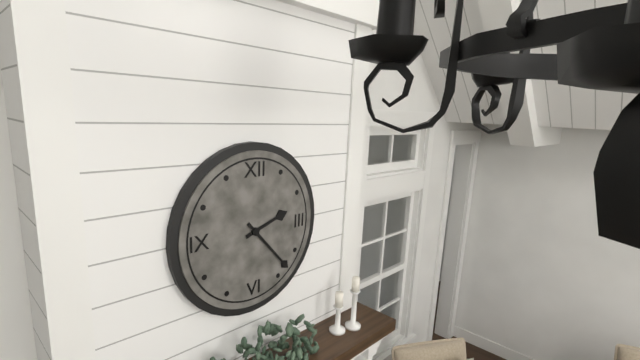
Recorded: h=2 m=23
